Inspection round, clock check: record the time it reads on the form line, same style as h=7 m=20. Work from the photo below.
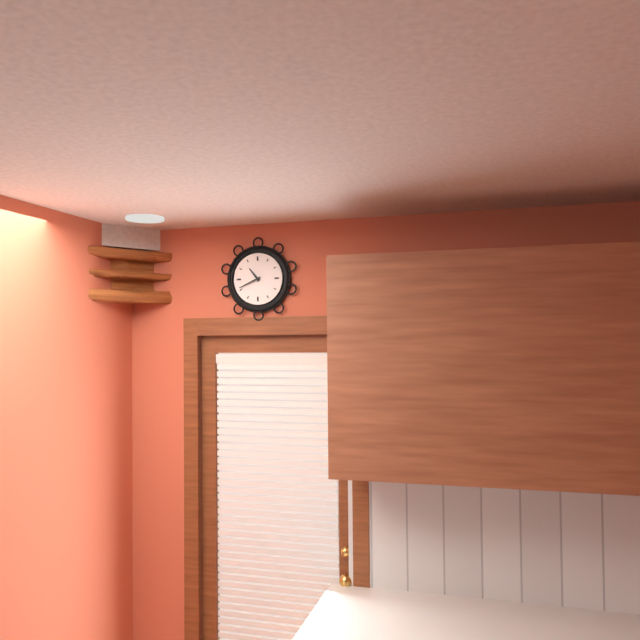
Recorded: h=10 m=41
